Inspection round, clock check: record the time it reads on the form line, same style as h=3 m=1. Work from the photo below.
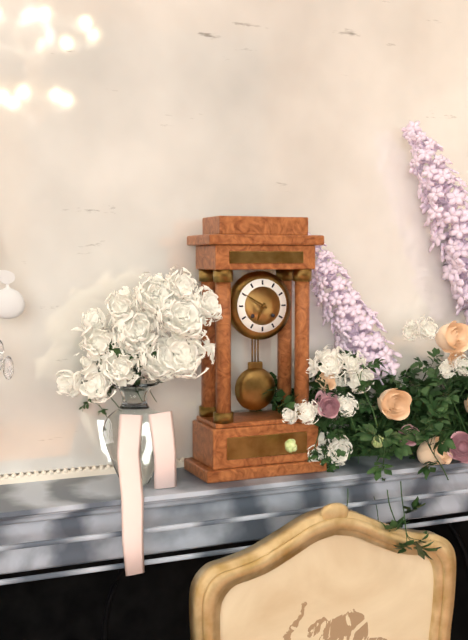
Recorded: h=6 m=50
